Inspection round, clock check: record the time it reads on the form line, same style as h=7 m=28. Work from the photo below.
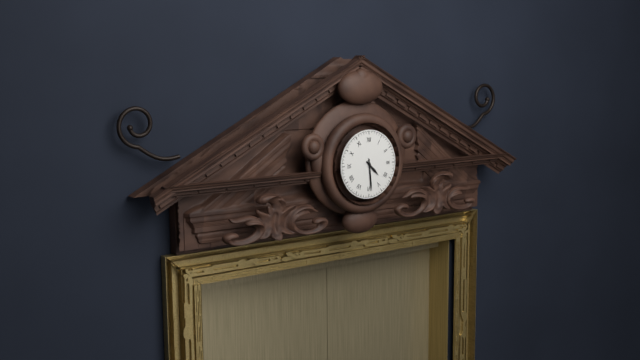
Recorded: h=4 m=29
